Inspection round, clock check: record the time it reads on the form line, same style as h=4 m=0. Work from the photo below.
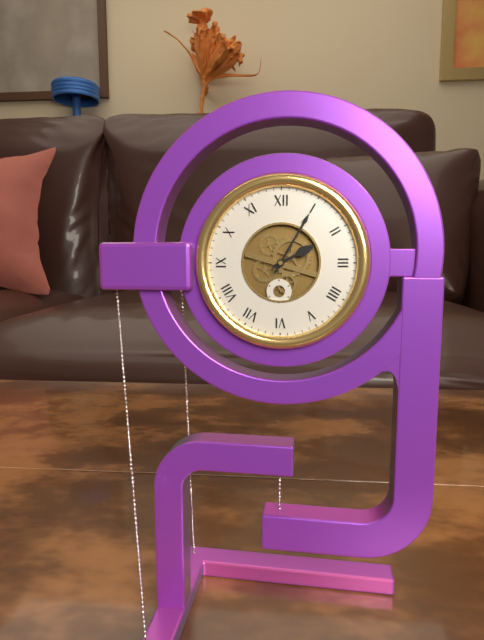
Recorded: h=2 m=5
